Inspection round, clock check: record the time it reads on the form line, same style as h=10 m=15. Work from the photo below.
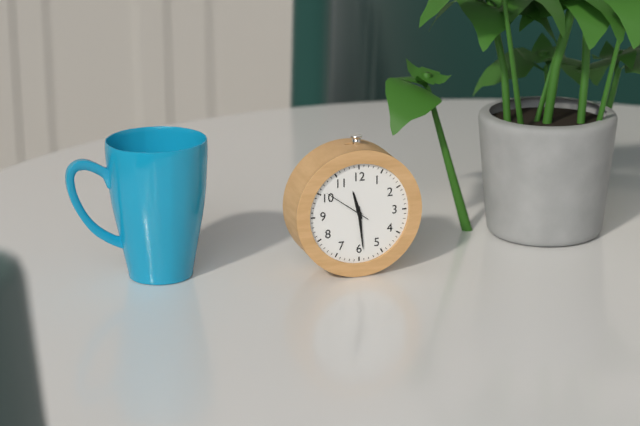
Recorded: h=11 m=29
